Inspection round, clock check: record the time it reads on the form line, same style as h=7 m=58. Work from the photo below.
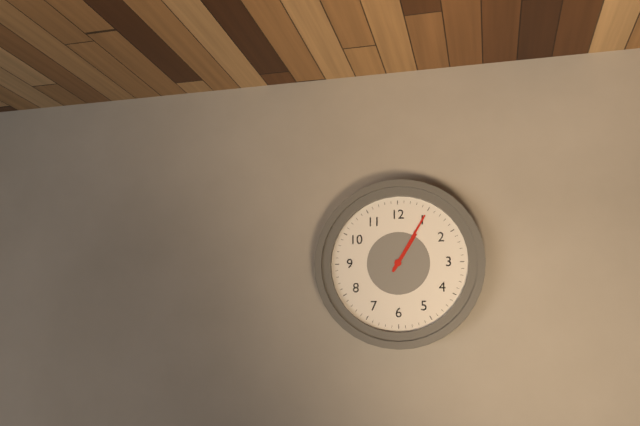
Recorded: h=1 m=5
